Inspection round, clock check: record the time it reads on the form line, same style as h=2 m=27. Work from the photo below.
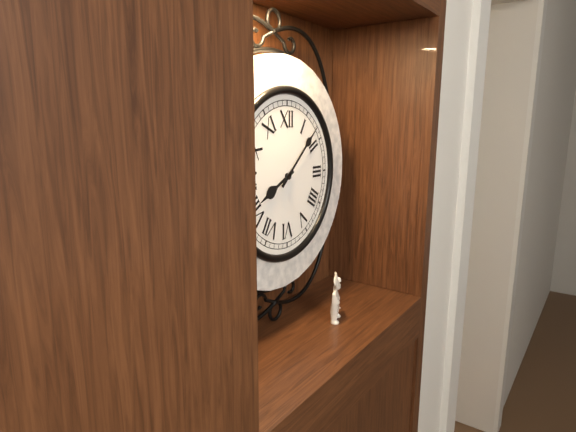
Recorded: h=8 m=8
